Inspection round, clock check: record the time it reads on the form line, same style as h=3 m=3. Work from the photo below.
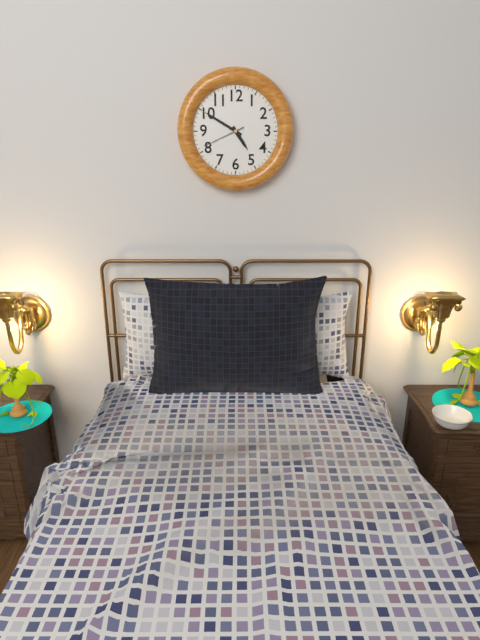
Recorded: h=4 m=50
